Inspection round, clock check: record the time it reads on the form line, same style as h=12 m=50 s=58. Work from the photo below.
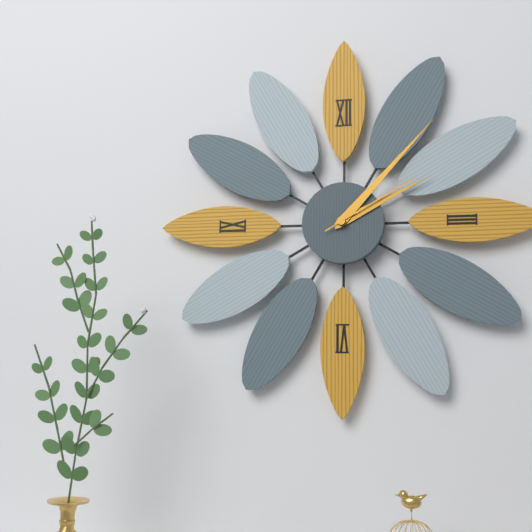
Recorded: h=2 m=7 s=10
